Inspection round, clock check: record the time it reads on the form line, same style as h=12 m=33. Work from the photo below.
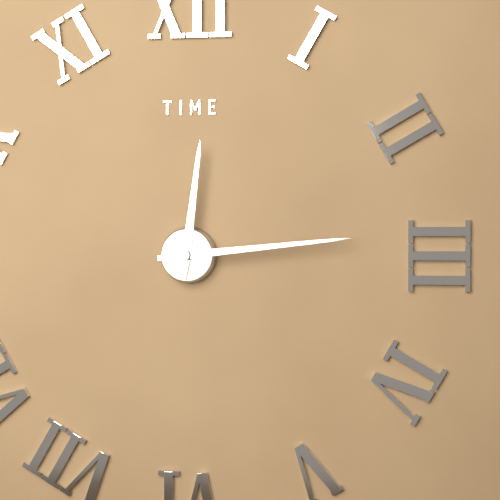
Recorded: h=12 m=14
